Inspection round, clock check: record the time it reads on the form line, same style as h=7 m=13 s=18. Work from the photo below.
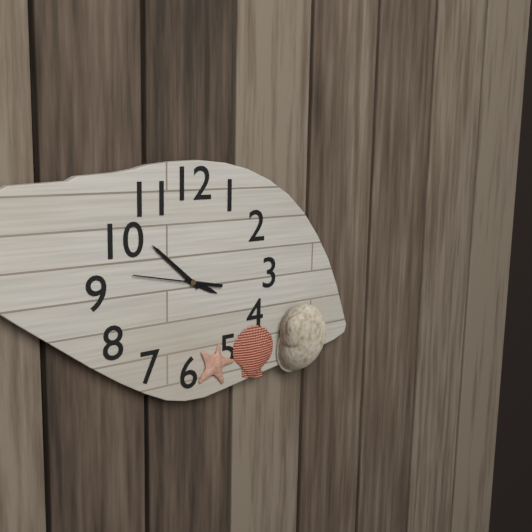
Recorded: h=3 m=52 s=47
